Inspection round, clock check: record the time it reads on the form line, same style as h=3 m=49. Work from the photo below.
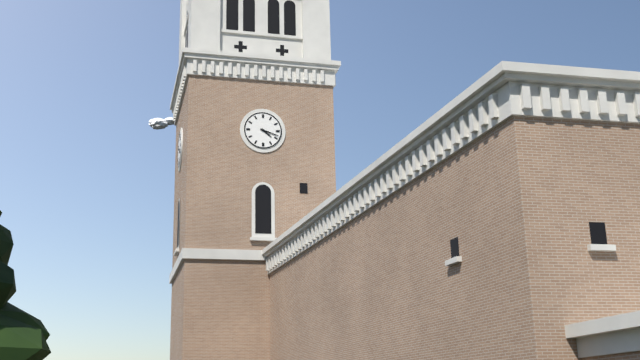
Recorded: h=4 m=18
